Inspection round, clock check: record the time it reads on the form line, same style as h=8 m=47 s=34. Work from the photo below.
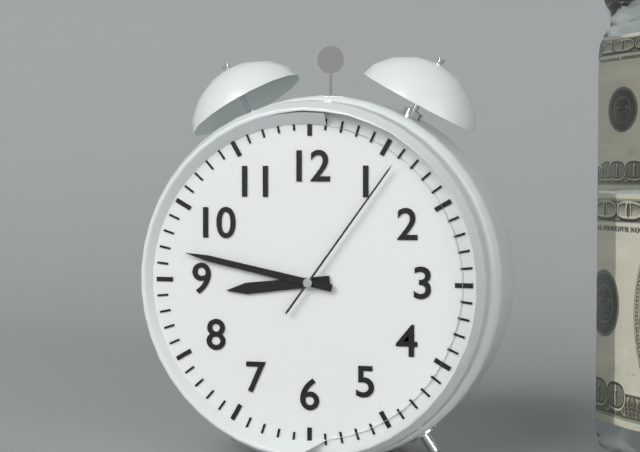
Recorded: h=8 m=47 s=6
